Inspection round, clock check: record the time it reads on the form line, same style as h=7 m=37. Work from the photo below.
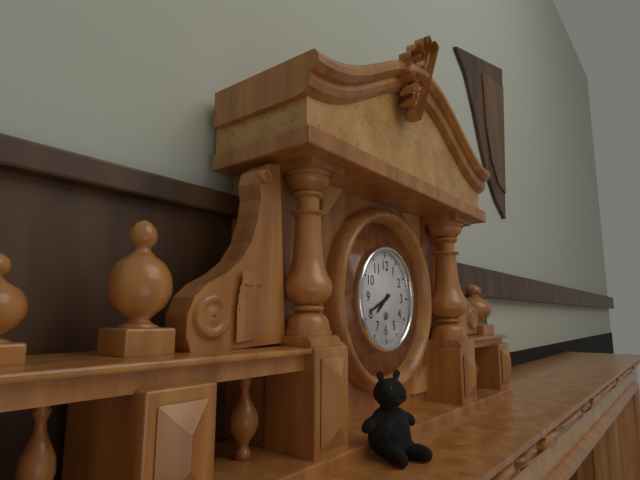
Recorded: h=7 m=41
